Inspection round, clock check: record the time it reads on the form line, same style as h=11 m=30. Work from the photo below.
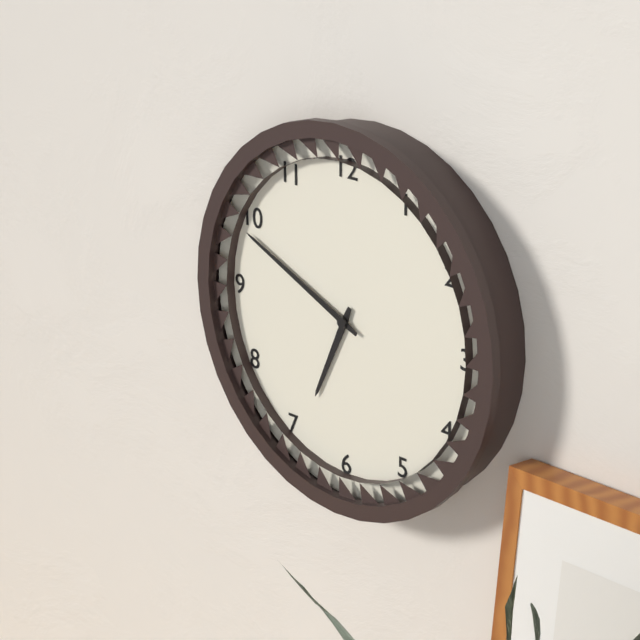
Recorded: h=6 m=49
